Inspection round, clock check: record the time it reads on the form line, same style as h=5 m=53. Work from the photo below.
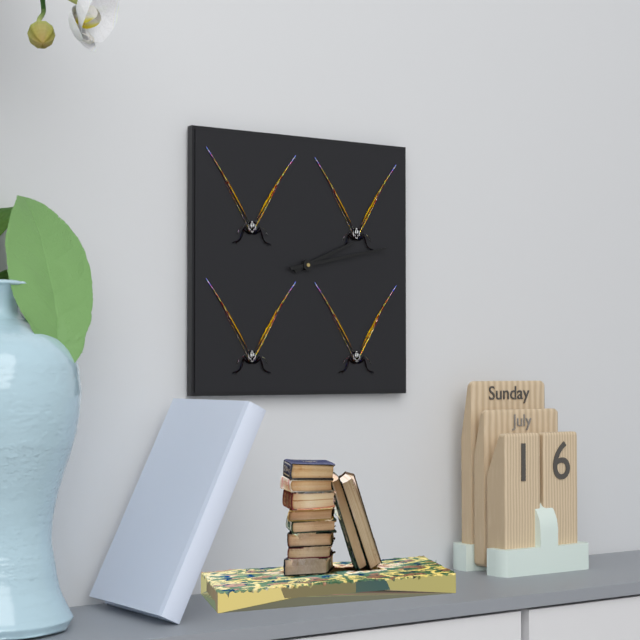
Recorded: h=2 m=13
